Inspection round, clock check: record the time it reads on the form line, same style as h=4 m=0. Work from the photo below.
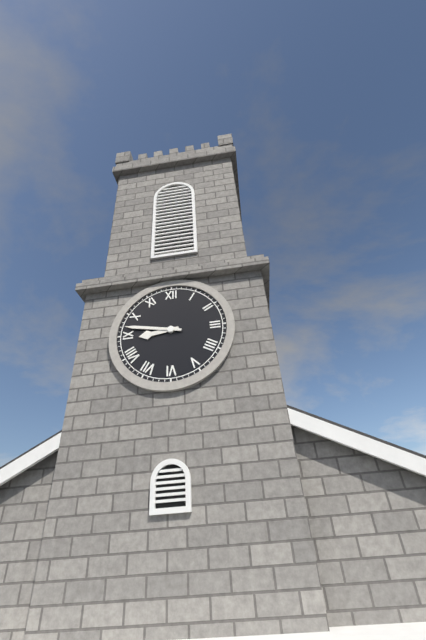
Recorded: h=8 m=47
